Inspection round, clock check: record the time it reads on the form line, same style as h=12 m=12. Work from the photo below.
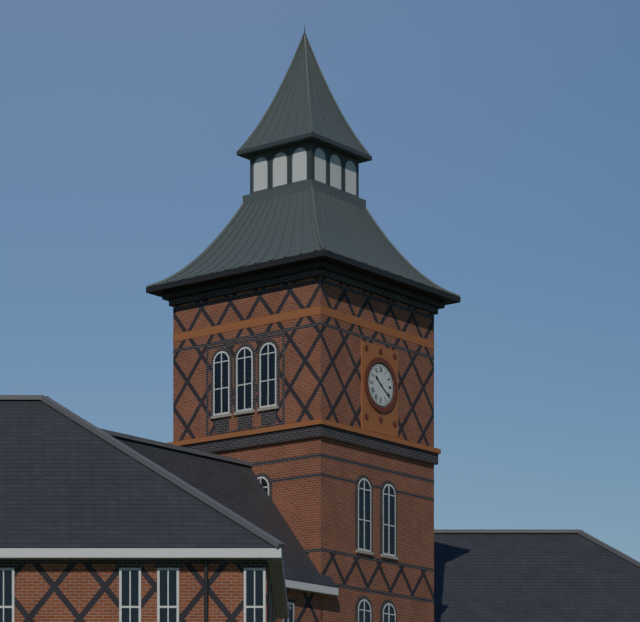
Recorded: h=10 m=21
